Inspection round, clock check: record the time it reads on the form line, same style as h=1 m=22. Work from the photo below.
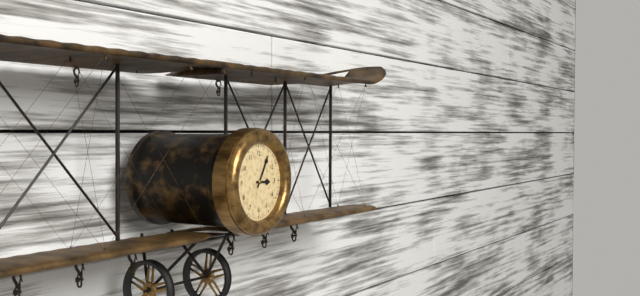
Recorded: h=3 m=5
